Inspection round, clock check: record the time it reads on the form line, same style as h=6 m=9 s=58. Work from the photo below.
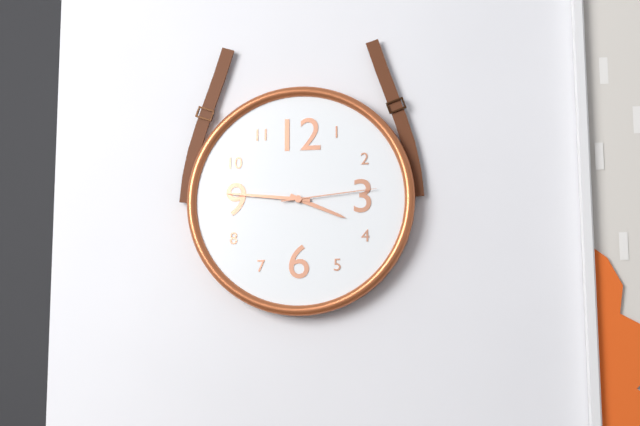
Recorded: h=3 m=46 s=14
